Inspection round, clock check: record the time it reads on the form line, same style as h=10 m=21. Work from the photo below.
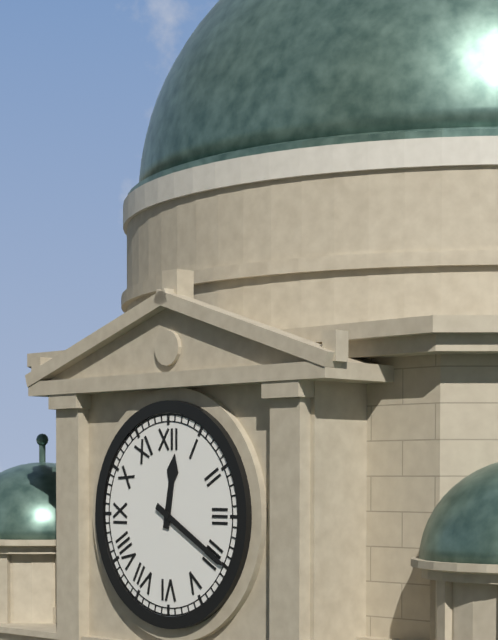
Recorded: h=12 m=20
